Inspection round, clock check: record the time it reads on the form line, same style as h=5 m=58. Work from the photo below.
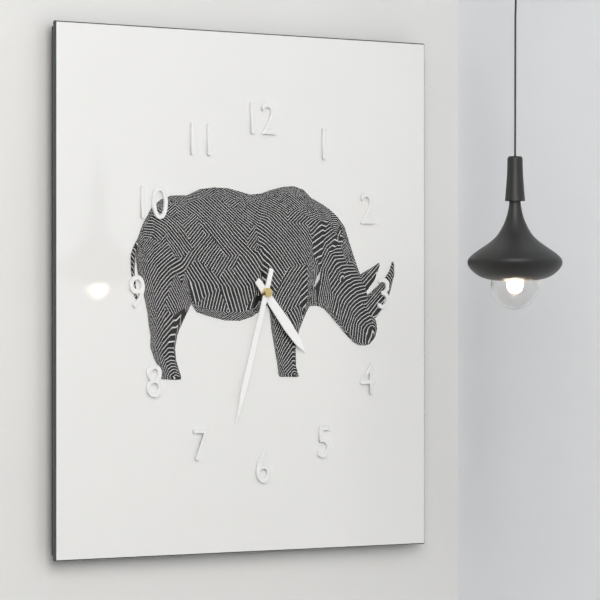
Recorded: h=4 m=33
